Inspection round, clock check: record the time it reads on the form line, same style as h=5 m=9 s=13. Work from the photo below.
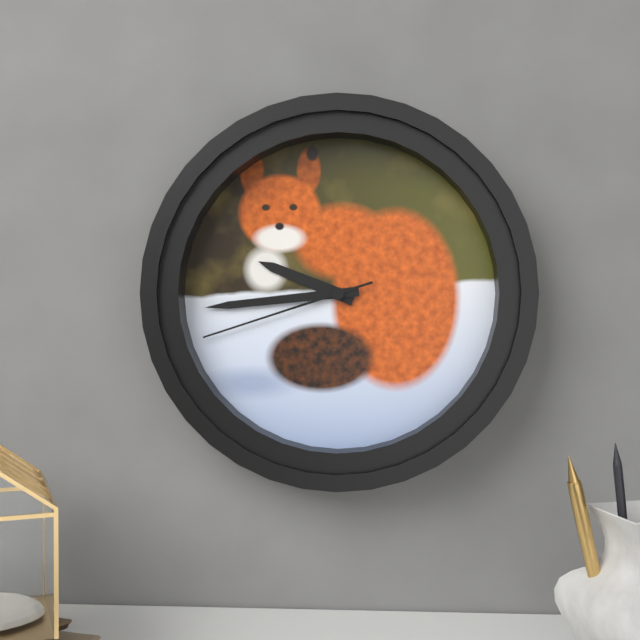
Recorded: h=9 m=44 s=42
